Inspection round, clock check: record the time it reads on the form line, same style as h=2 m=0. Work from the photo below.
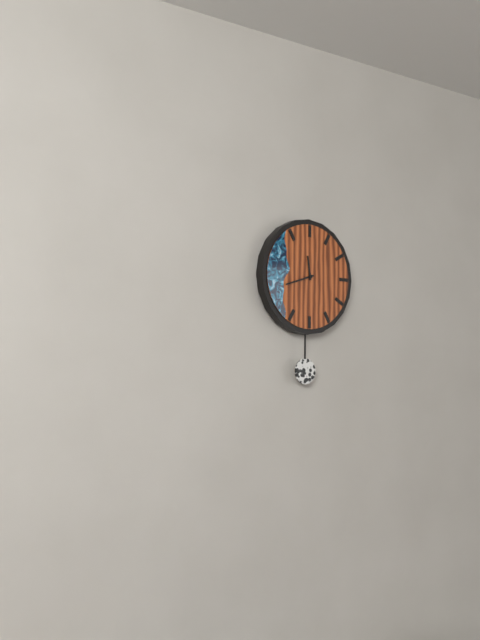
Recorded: h=11 m=42
